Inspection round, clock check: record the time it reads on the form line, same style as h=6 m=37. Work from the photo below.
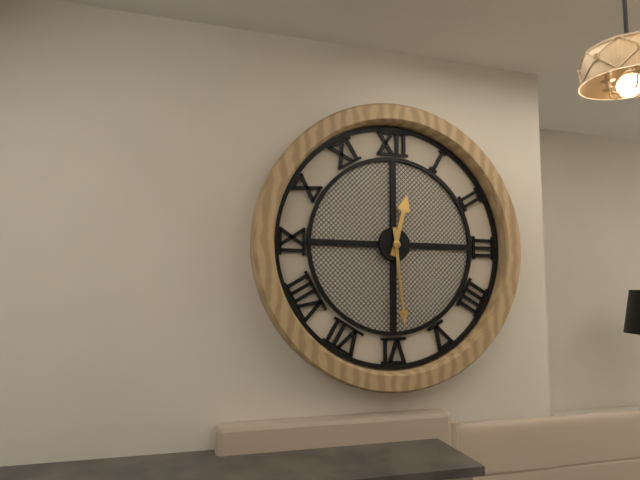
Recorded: h=12 m=29
